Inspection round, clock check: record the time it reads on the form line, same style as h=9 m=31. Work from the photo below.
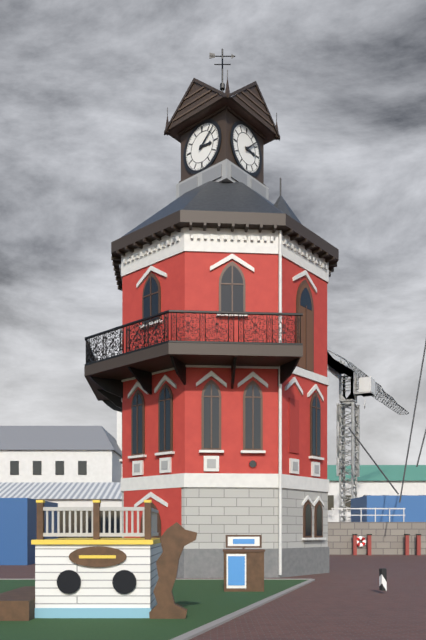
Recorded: h=3 m=8
